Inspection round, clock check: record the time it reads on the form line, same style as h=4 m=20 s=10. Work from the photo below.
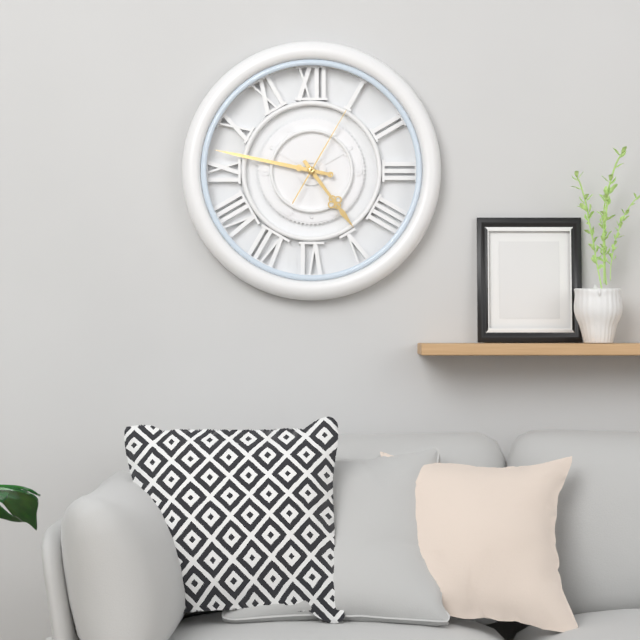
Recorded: h=4 m=47 s=5
